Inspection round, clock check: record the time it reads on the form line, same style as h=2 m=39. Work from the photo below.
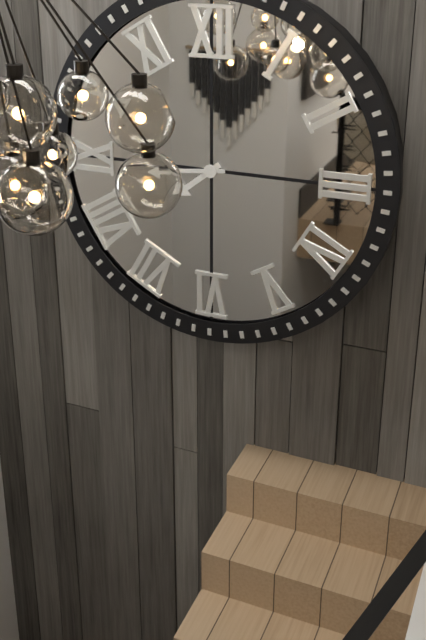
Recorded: h=7 m=44
